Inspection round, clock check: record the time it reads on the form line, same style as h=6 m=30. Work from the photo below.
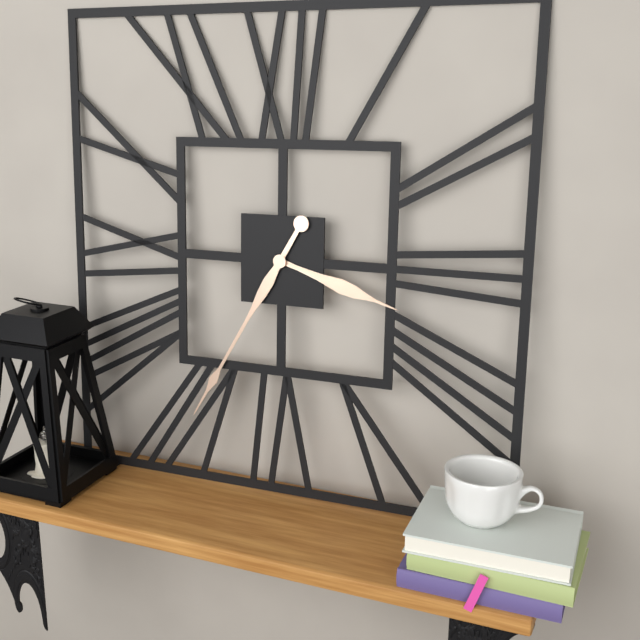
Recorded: h=3 m=35
